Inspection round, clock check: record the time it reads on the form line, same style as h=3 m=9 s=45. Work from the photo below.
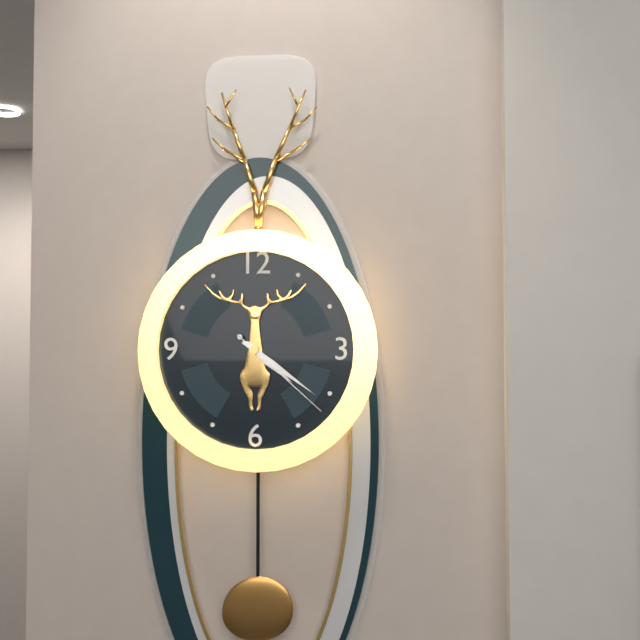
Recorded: h=4 m=21 s=22
